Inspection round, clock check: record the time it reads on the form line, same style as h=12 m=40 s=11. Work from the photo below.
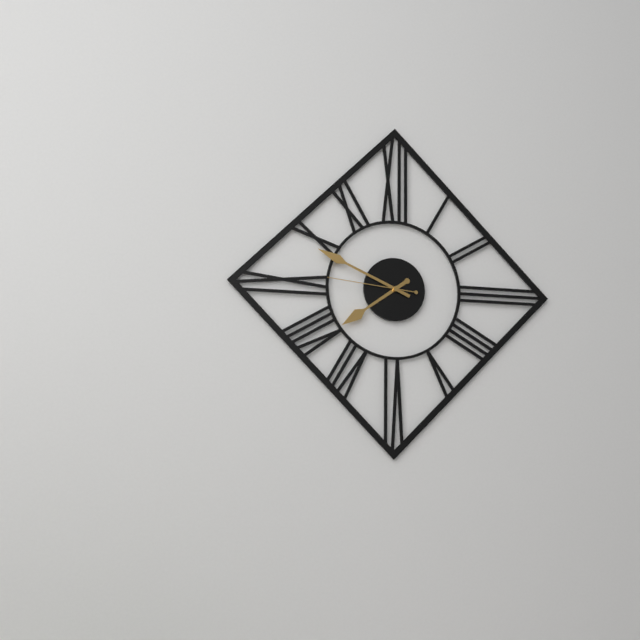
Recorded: h=7 m=49 s=46
